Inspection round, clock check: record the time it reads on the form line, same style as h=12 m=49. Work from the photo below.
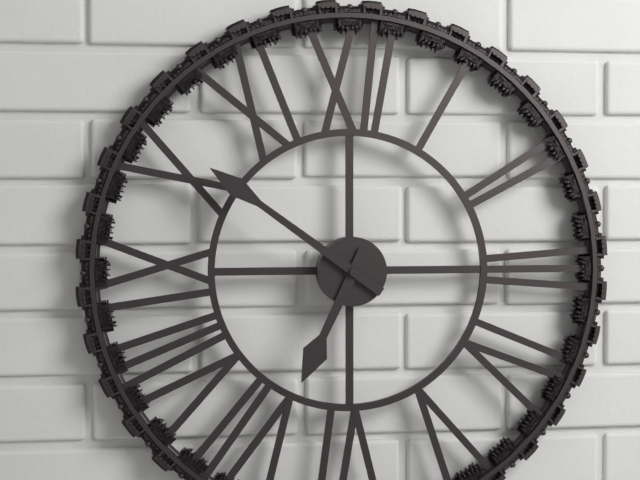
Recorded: h=6 m=51
